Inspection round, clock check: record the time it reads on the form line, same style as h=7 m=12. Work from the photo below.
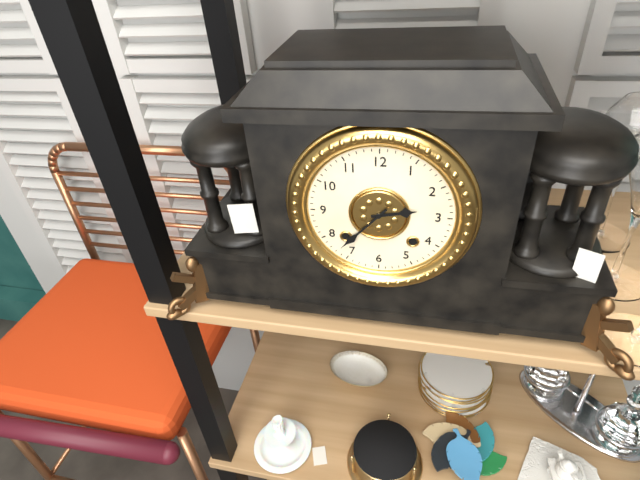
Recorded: h=2 m=37
